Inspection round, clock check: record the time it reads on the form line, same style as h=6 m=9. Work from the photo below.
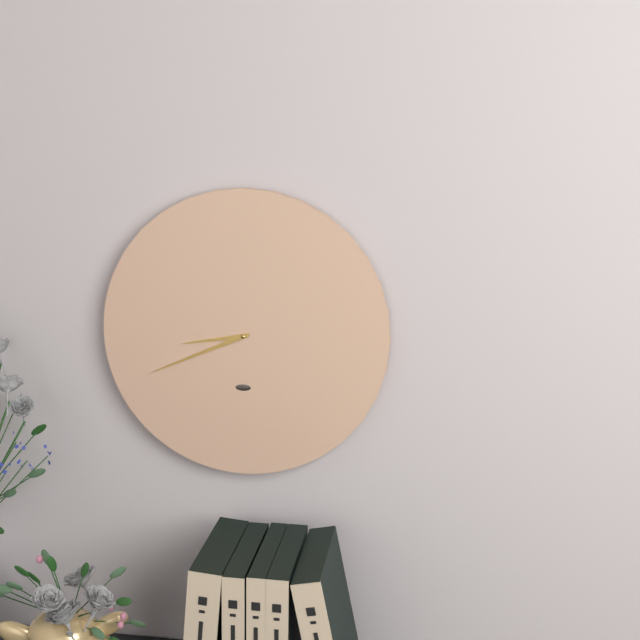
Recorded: h=8 m=41
